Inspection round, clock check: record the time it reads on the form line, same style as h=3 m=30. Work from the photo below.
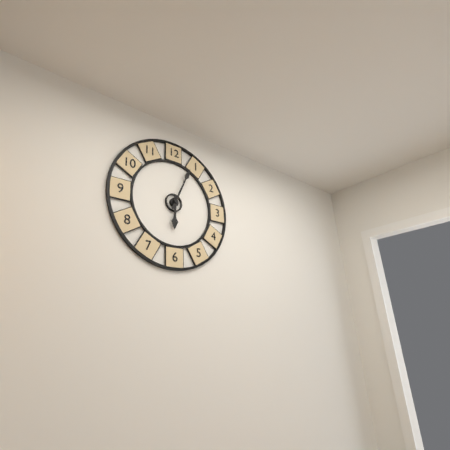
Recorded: h=6 m=4
